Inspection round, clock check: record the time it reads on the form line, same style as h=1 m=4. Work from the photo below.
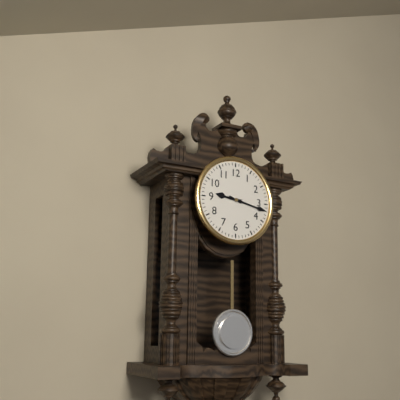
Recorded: h=9 m=17
